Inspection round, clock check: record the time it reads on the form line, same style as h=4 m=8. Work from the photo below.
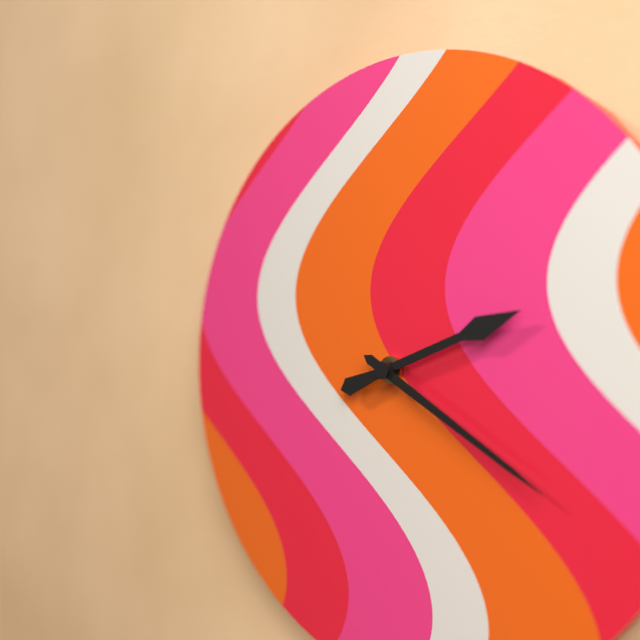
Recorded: h=2 m=20
